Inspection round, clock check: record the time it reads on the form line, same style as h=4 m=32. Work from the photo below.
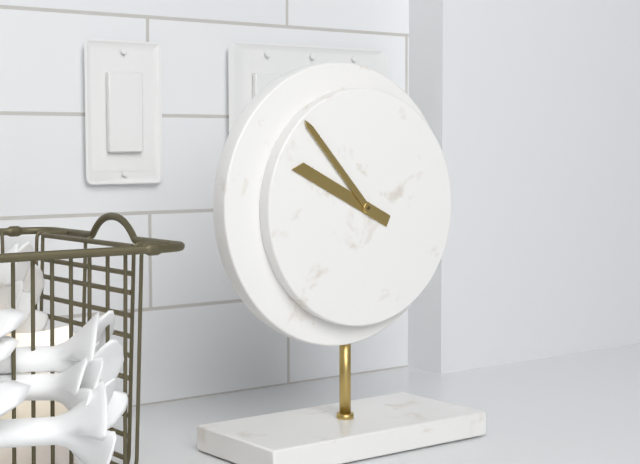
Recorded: h=9 m=53
